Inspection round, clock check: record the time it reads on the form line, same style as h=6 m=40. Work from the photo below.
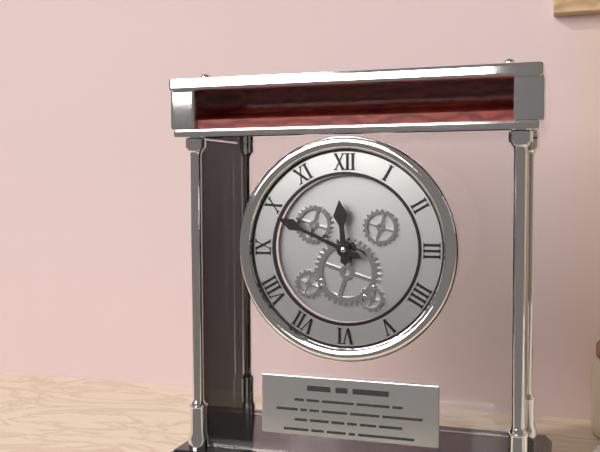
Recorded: h=11 m=49
